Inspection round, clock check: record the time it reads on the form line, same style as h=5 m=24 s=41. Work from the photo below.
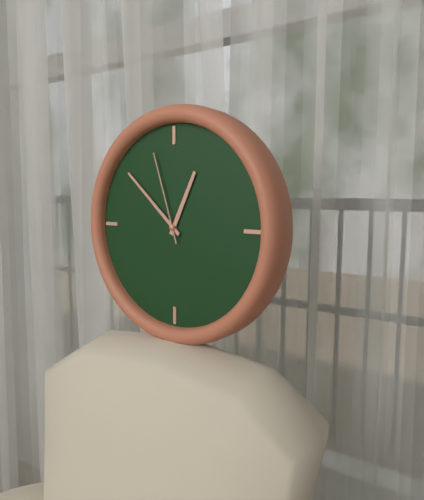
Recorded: h=12 m=52 s=57
